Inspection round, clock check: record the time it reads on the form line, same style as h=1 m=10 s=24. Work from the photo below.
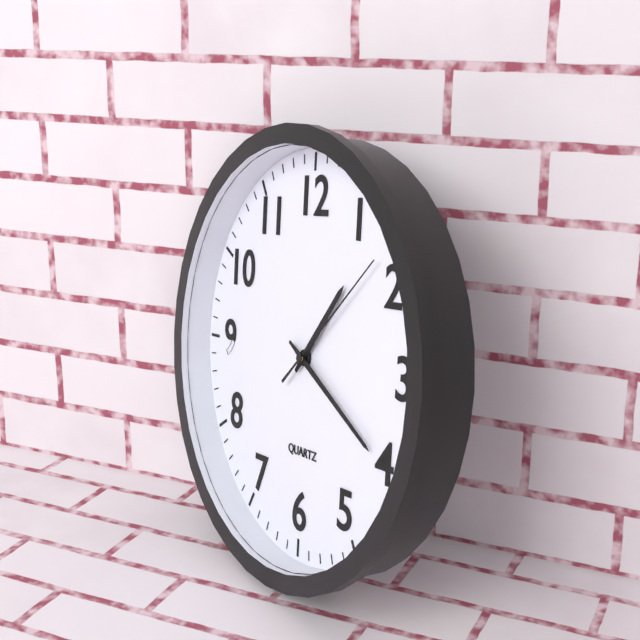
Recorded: h=1 m=20 s=8
